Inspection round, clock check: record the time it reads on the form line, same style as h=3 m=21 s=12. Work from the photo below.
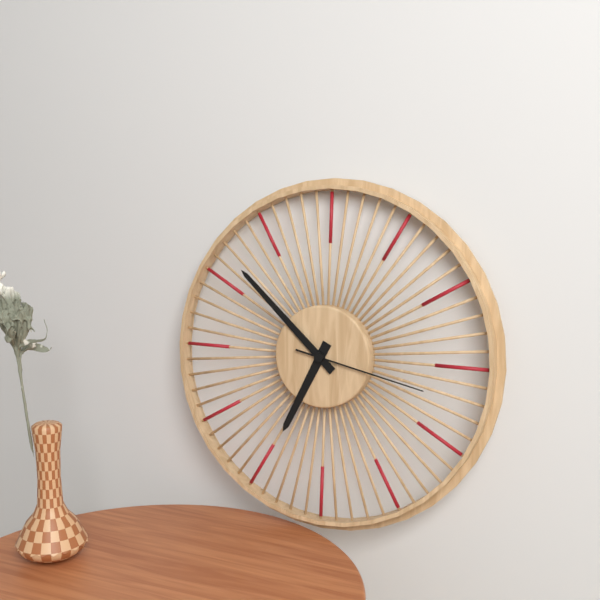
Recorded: h=6 m=52 s=17
